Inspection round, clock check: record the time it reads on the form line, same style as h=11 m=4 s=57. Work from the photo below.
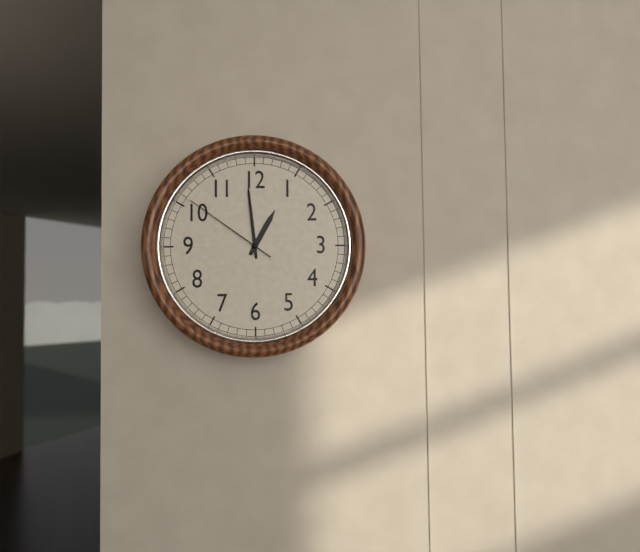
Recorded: h=12 m=59 s=51
